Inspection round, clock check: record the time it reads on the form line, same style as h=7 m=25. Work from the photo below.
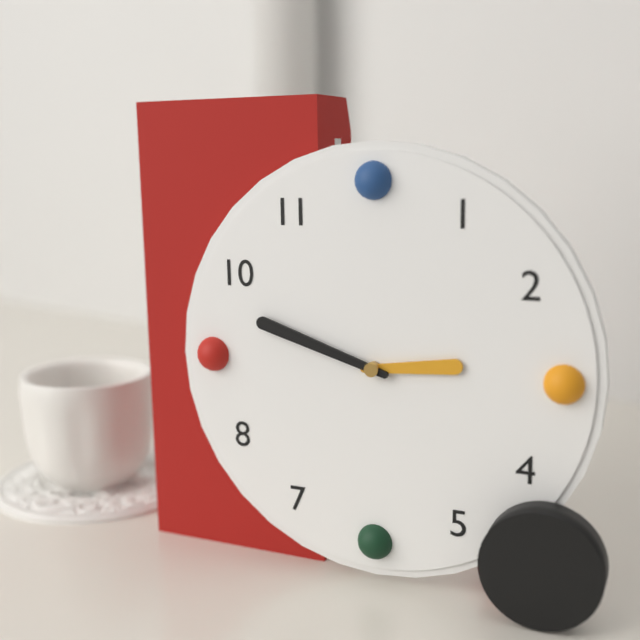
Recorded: h=2 m=48
